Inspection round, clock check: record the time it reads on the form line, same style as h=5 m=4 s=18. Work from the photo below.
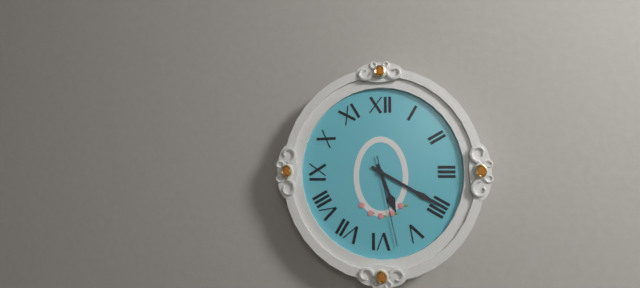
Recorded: h=5 m=20 s=28
